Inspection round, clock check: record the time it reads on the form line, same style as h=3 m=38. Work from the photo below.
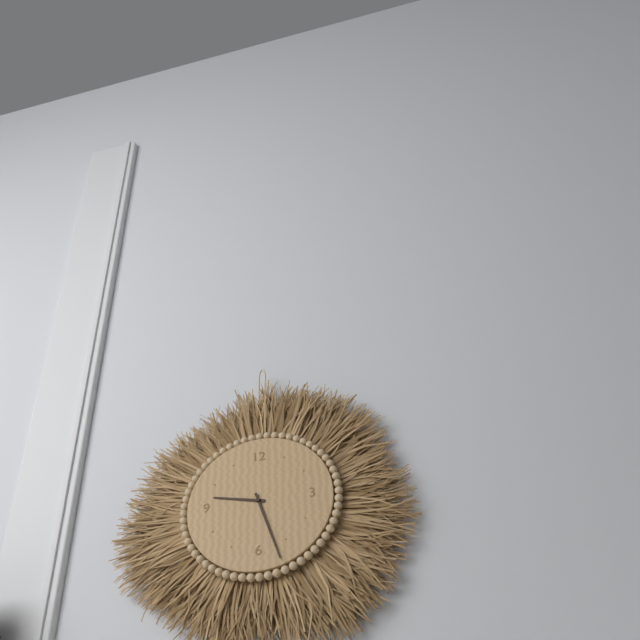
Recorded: h=9 m=27
